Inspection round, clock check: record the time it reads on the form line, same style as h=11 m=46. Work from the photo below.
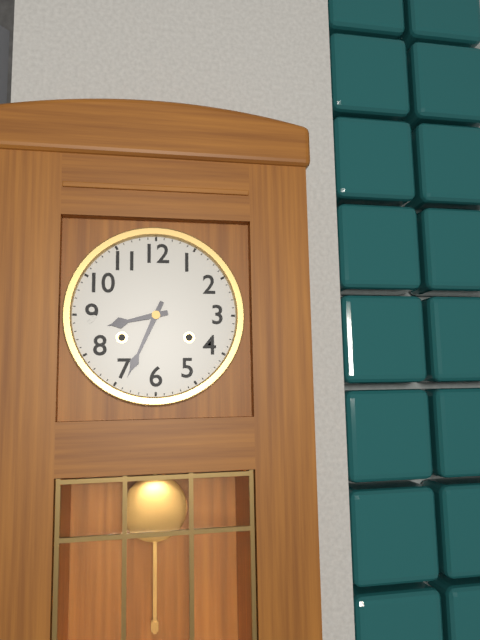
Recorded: h=8 m=34
